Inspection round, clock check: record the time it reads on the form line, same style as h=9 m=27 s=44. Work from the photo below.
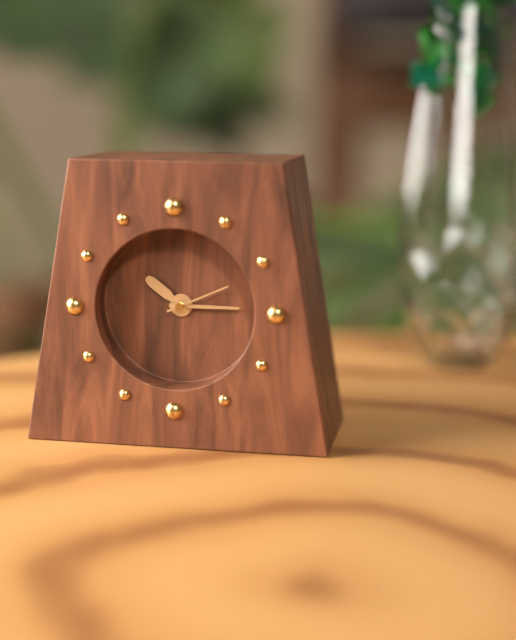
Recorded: h=10 m=15 s=11
